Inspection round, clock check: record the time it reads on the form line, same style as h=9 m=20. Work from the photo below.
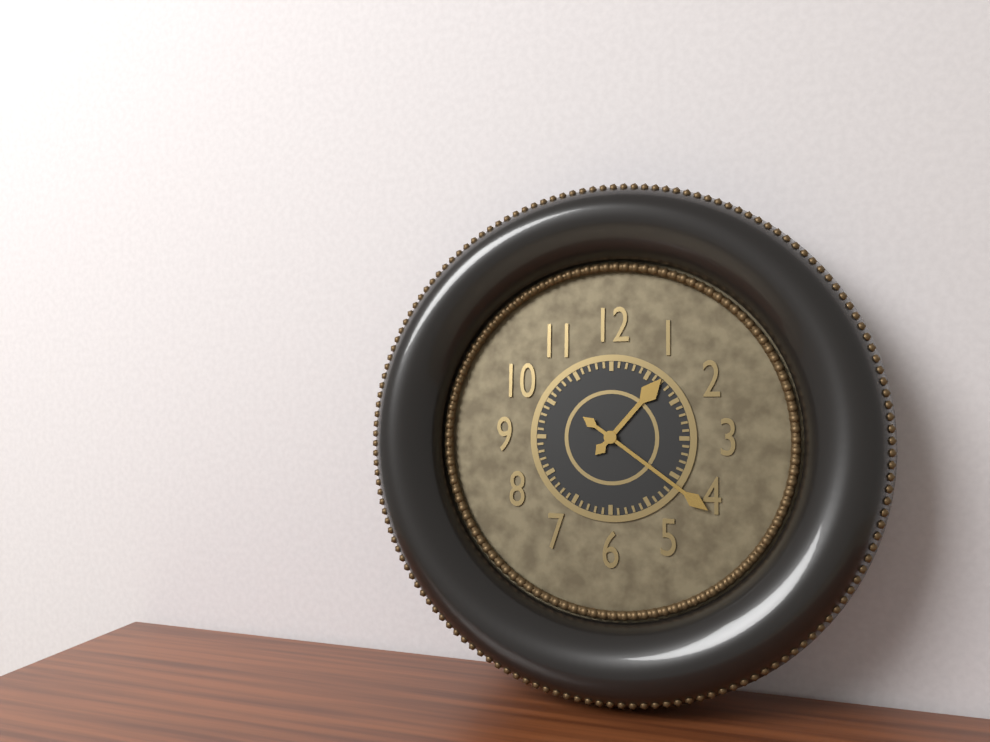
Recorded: h=1 m=21
